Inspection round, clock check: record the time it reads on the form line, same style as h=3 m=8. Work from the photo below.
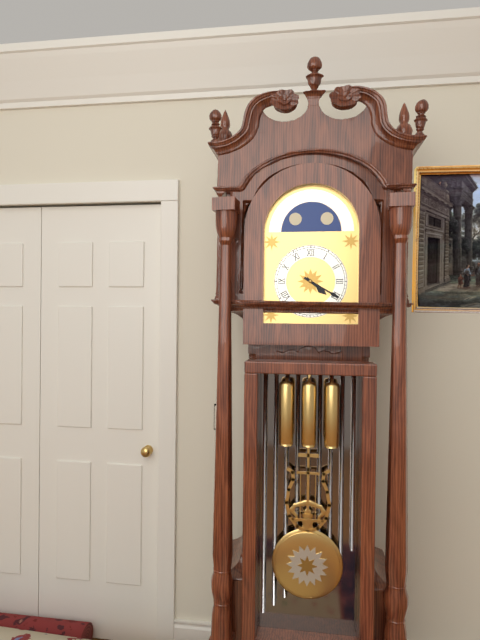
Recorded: h=4 m=20
